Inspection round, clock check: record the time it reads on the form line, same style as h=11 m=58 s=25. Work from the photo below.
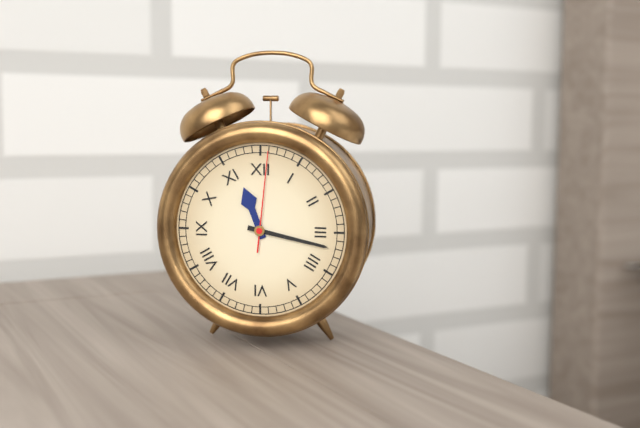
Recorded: h=11 m=17 s=1
